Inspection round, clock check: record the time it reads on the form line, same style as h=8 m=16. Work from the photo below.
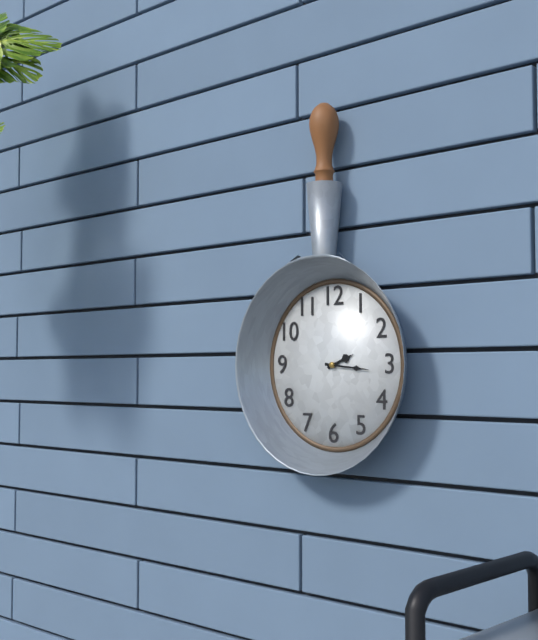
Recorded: h=2 m=16
